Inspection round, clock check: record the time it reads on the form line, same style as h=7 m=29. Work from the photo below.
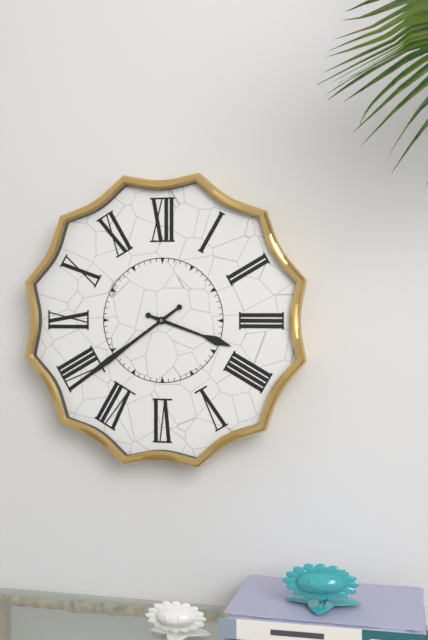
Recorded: h=3 m=39
